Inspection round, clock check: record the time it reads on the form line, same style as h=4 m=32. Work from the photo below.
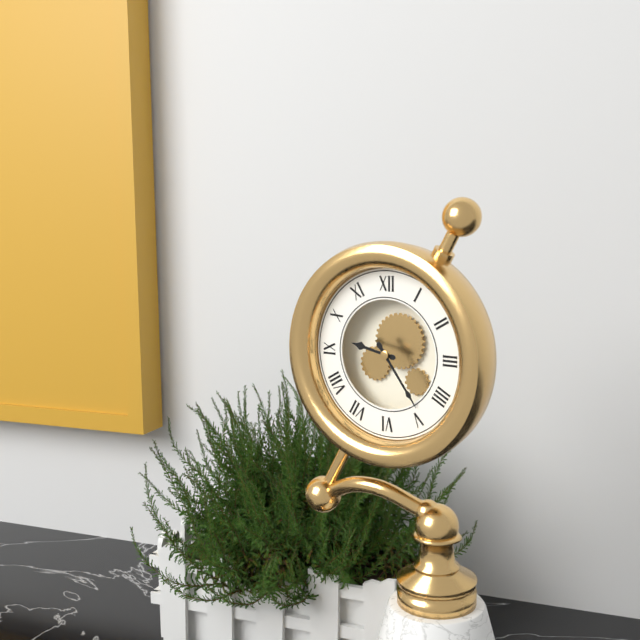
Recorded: h=9 m=24
